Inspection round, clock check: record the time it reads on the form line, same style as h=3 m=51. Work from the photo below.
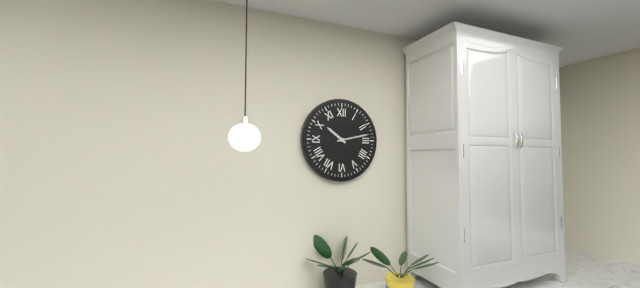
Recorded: h=10 m=13
